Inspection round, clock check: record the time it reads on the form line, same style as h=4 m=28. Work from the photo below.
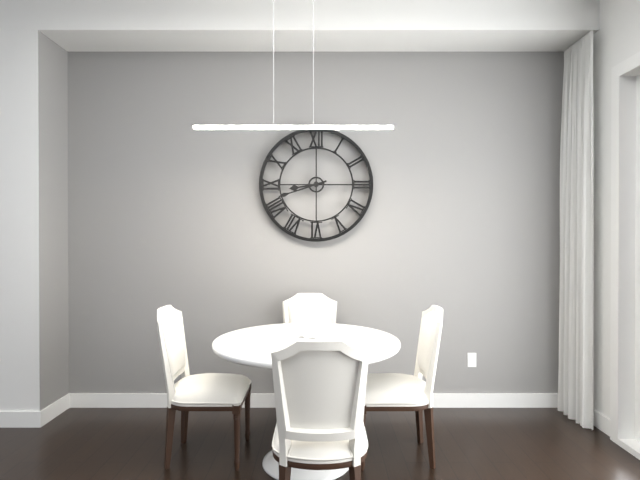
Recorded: h=8 m=42
